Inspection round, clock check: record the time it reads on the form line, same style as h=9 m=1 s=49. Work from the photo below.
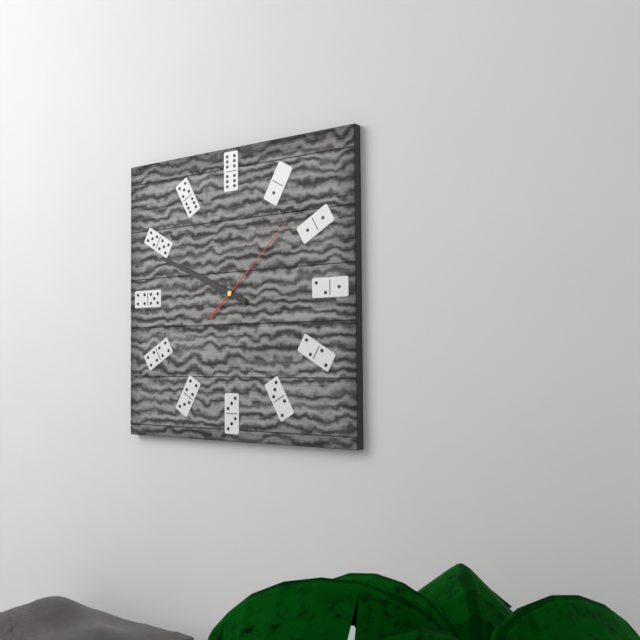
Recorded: h=9 m=49 s=8
